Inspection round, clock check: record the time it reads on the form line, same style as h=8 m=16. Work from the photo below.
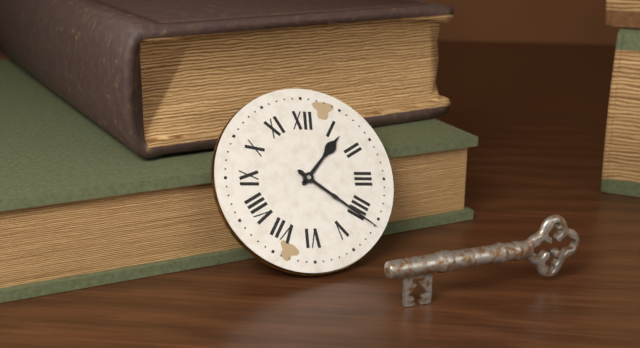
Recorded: h=1 m=21
